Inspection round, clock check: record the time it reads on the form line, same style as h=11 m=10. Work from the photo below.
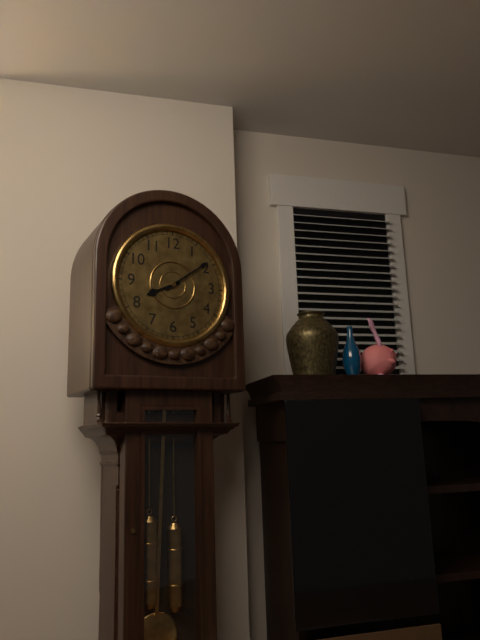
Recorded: h=8 m=9
